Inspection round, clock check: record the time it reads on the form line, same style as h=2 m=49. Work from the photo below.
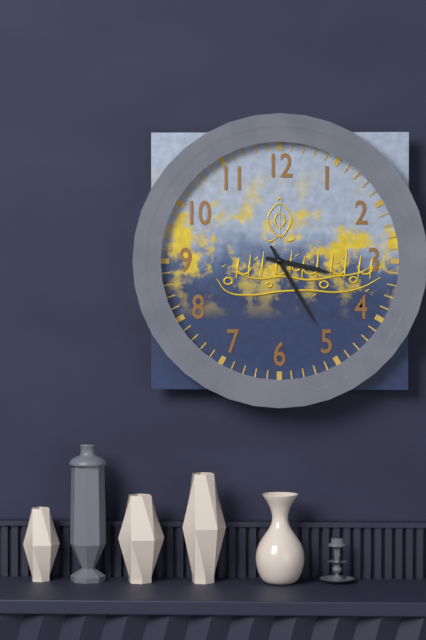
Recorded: h=3 m=25
